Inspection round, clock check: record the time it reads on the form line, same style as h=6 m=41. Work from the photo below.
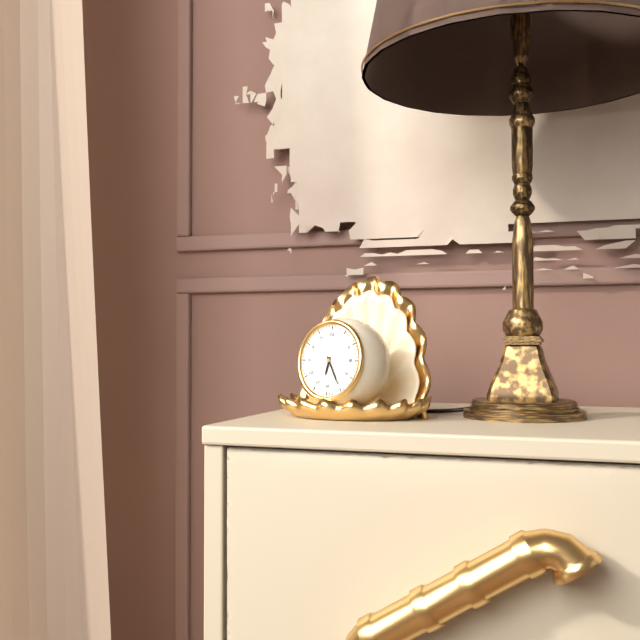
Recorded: h=6 m=25
